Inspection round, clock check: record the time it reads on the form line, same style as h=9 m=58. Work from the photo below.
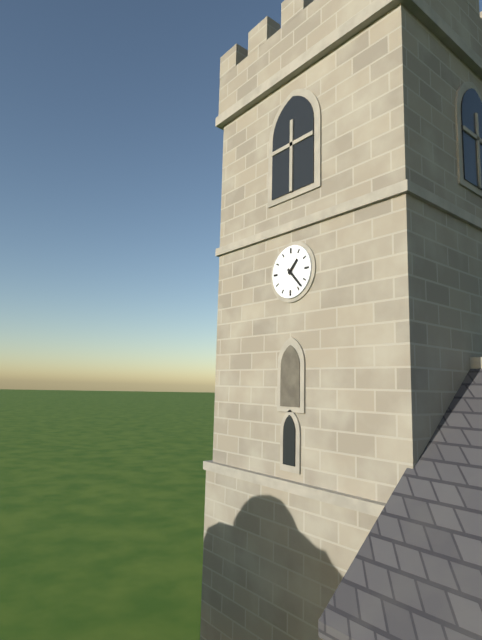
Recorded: h=1 m=23
